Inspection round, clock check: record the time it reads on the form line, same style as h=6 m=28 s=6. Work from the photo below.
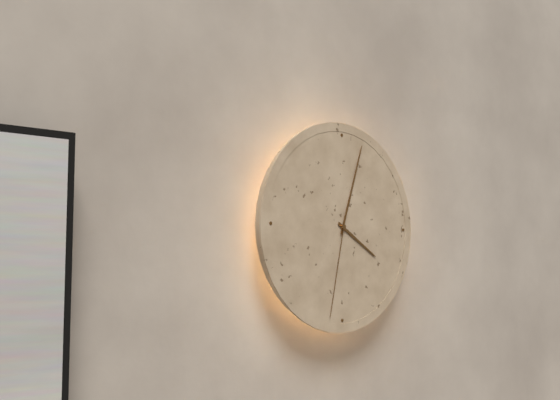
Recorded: h=4 m=3 s=32
